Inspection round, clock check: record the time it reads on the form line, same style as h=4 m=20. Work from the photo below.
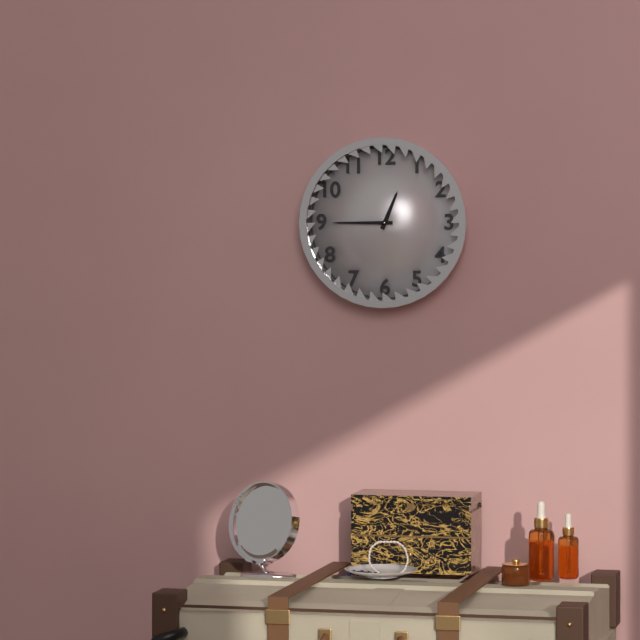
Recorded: h=12 m=45
